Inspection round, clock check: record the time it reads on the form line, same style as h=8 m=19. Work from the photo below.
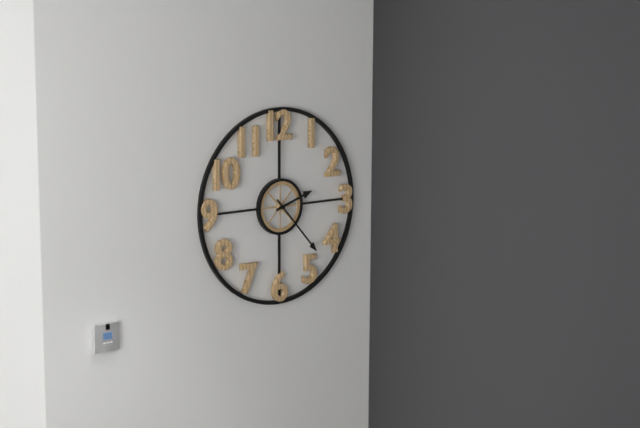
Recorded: h=2 m=23
